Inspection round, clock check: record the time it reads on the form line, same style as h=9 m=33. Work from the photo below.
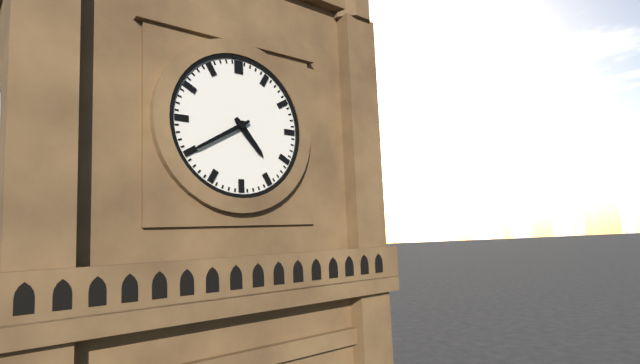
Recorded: h=4 m=40
